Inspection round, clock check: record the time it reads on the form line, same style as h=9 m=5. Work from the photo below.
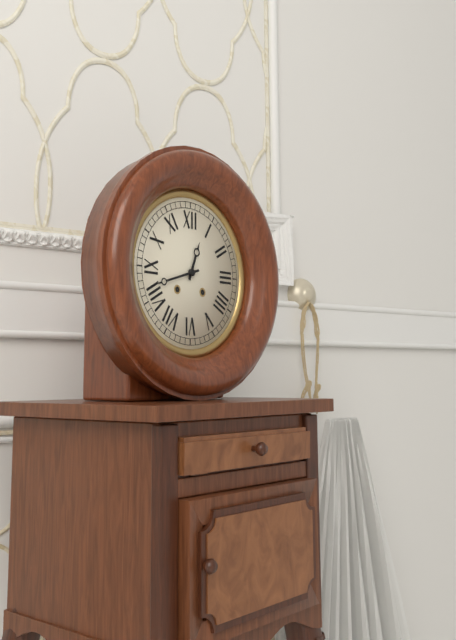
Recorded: h=12 m=42
